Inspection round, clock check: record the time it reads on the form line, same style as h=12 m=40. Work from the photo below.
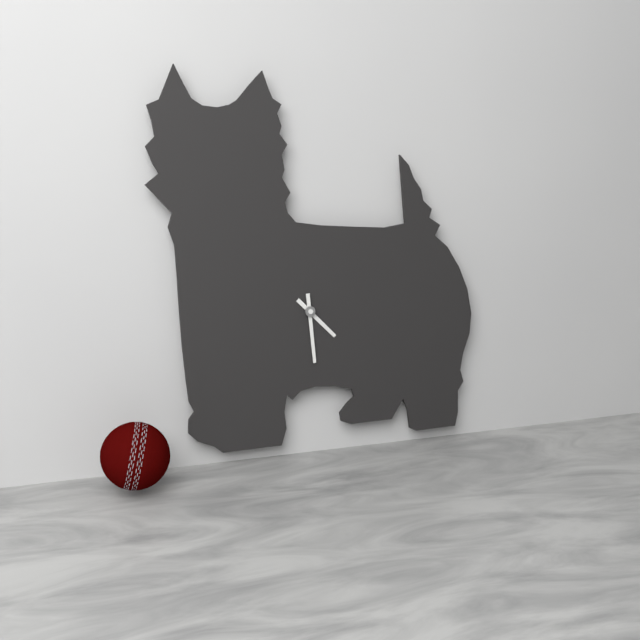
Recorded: h=4 m=29
